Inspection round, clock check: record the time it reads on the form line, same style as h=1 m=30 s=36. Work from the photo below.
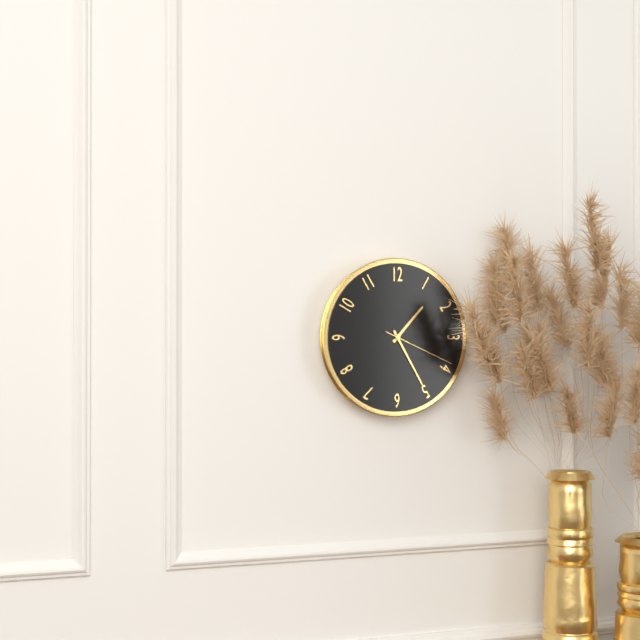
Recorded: h=1 m=25 s=19
